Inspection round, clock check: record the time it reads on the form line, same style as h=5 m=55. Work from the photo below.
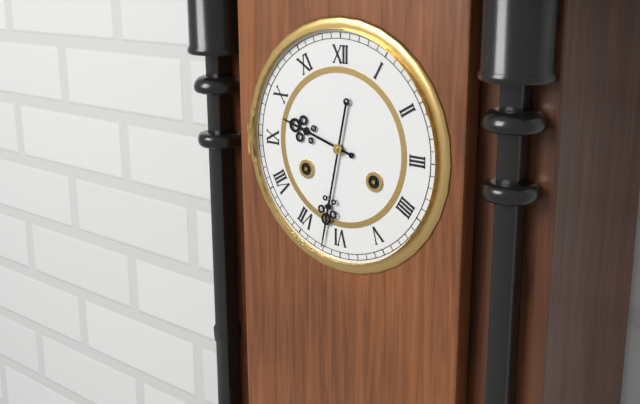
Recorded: h=9 m=32
